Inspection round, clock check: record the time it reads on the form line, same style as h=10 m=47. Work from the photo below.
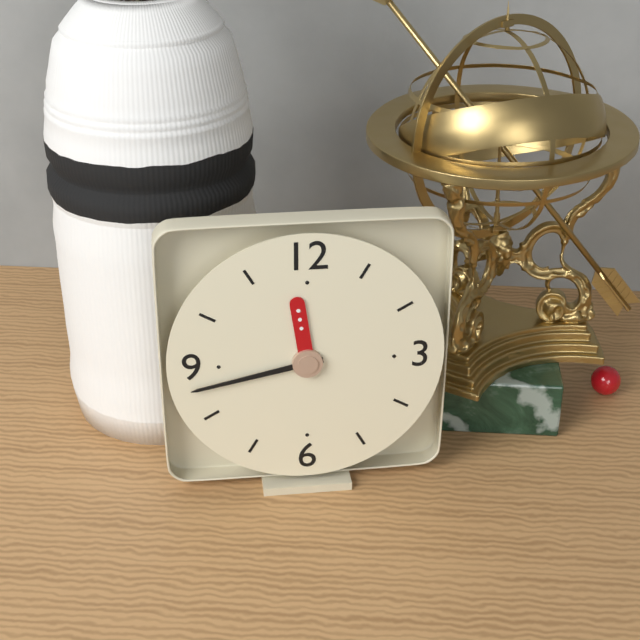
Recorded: h=11 m=43
